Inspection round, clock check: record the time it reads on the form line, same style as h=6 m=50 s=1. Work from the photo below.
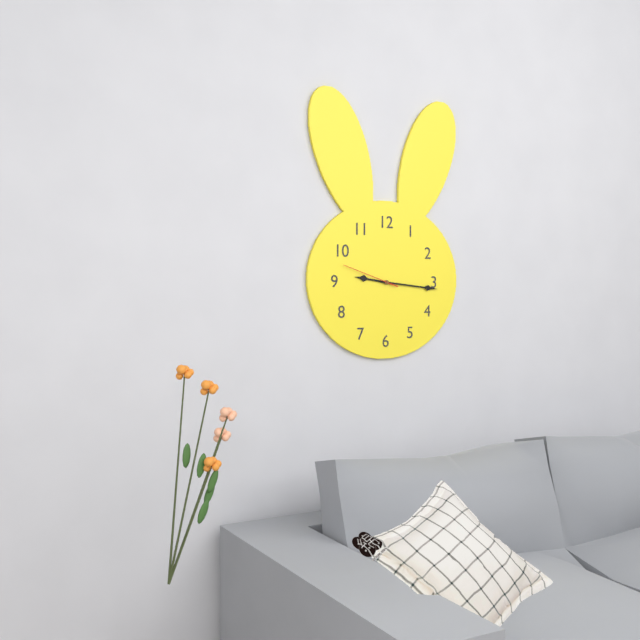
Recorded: h=9 m=16 s=48
